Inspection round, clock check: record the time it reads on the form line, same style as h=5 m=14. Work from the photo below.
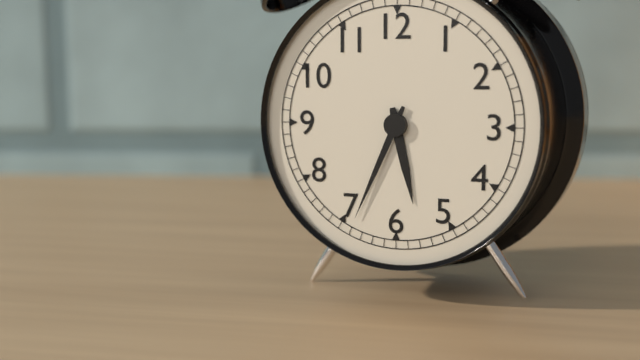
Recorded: h=5 m=34
